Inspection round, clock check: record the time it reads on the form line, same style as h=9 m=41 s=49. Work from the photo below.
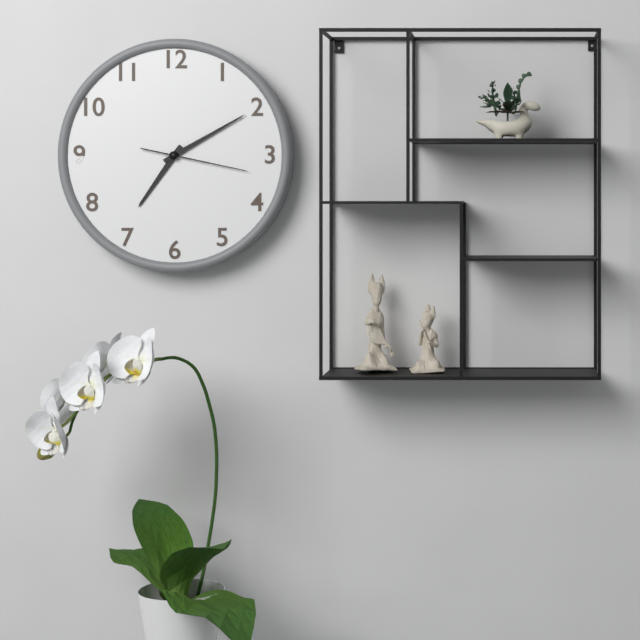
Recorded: h=7 m=10 s=17
